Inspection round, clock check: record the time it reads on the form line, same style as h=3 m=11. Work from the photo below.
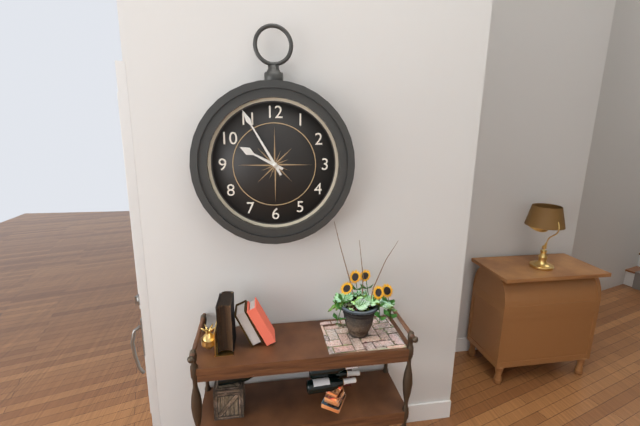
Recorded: h=9 m=55
